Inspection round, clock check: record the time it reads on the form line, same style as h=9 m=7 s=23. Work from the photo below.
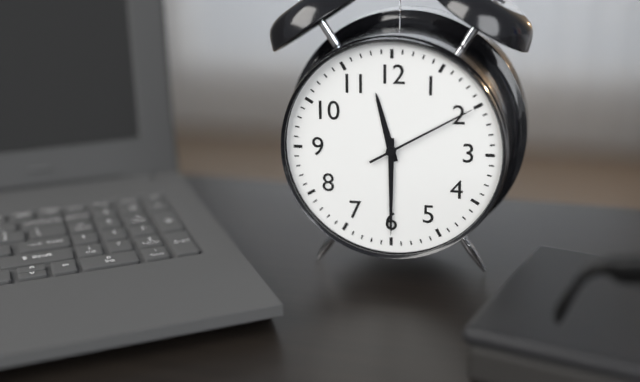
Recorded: h=11 m=30 s=10
